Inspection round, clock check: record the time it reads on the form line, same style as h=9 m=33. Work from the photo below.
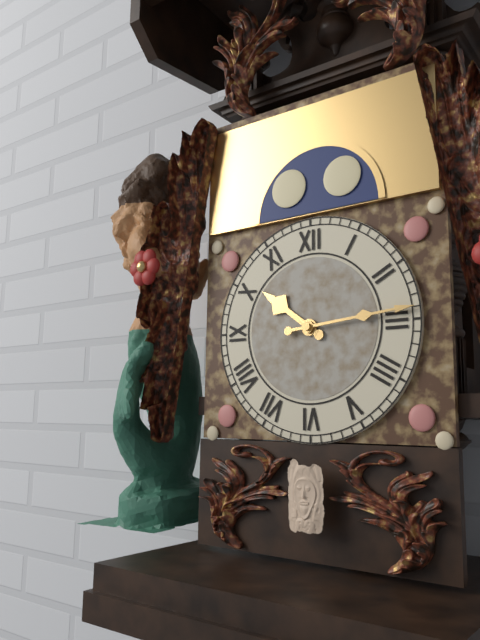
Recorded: h=10 m=14
